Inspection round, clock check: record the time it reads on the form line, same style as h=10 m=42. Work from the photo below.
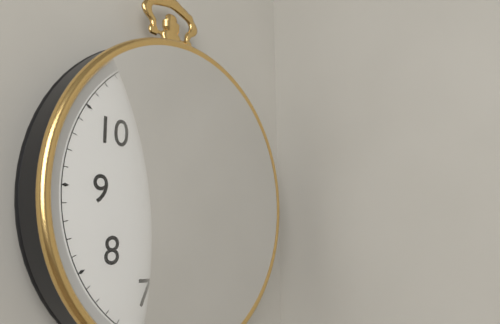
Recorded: h=11 m=17
